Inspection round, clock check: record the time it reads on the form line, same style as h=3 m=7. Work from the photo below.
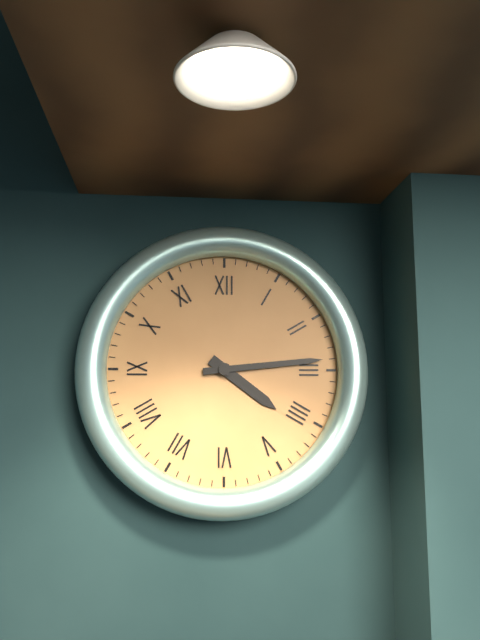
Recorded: h=4 m=14
